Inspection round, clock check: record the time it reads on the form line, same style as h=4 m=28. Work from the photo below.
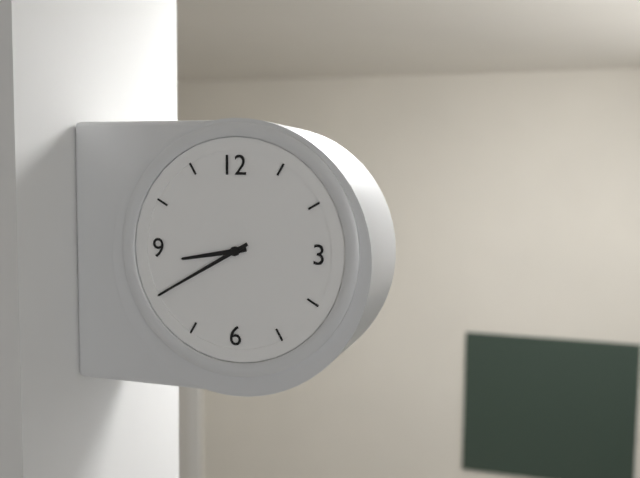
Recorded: h=8 m=40
